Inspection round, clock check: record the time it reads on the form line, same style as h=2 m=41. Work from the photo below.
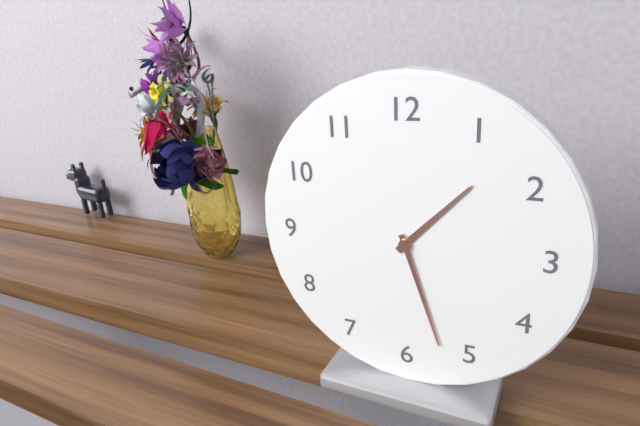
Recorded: h=1 m=27
